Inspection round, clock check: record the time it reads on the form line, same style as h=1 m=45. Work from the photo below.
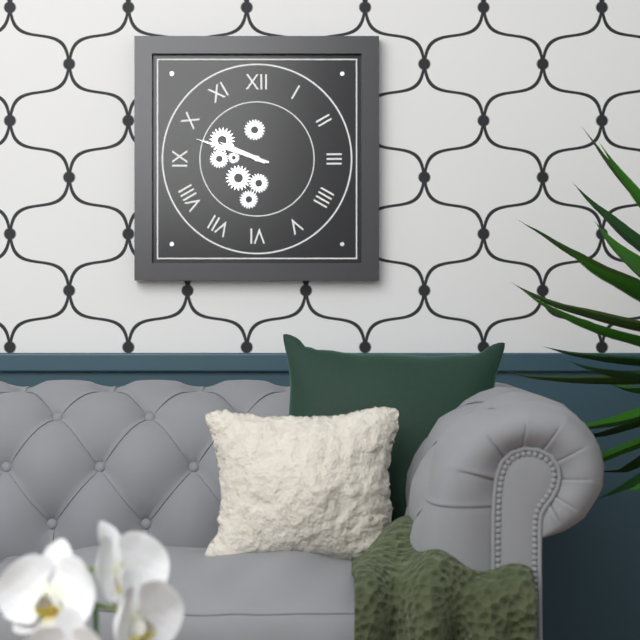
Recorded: h=9 m=48
